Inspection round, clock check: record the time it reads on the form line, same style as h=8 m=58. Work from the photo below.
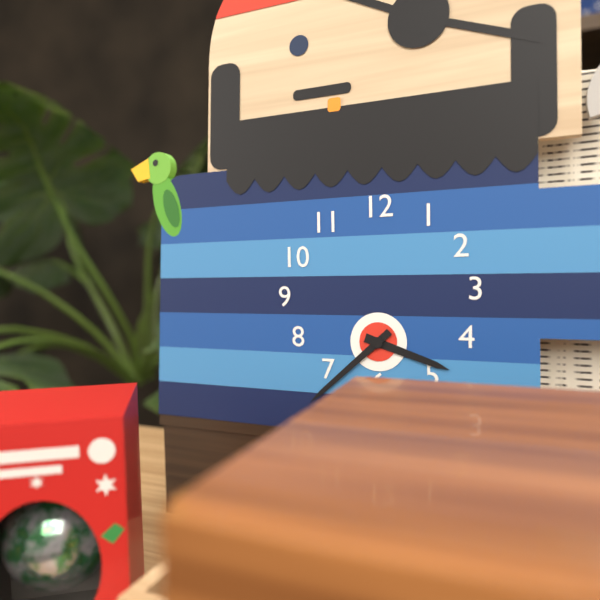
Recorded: h=3 m=38
